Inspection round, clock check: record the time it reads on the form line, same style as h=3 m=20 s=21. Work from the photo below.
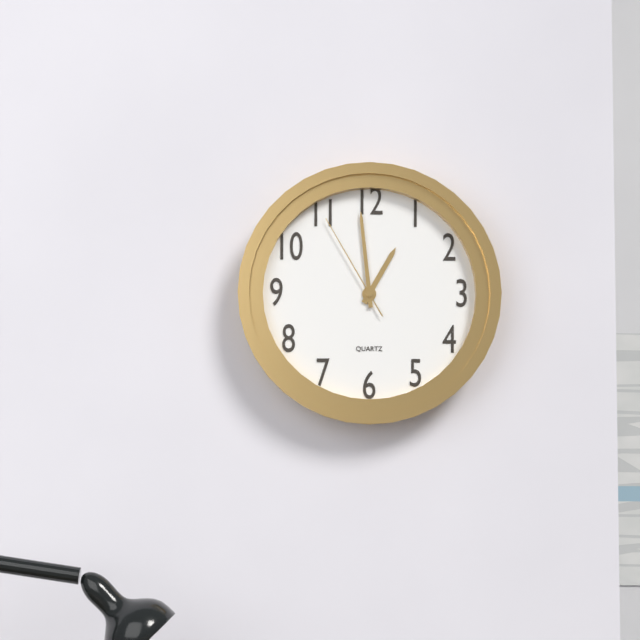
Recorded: h=12 m=59 s=55
